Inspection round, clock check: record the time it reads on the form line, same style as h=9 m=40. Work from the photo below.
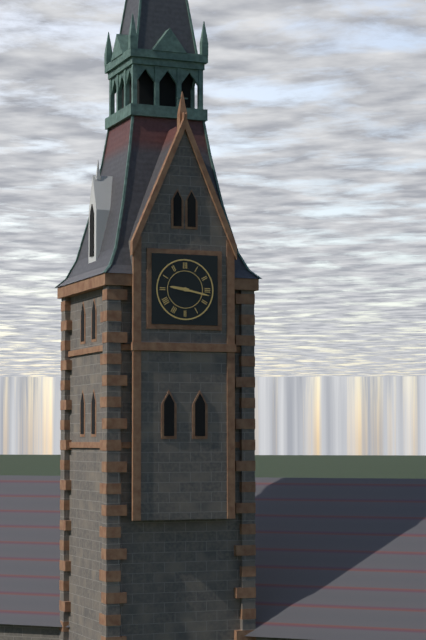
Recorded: h=9 m=17
